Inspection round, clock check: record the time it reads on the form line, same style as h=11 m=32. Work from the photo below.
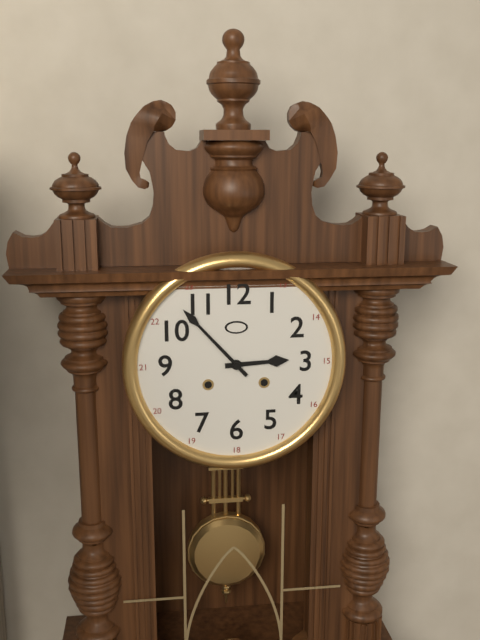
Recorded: h=2 m=53
